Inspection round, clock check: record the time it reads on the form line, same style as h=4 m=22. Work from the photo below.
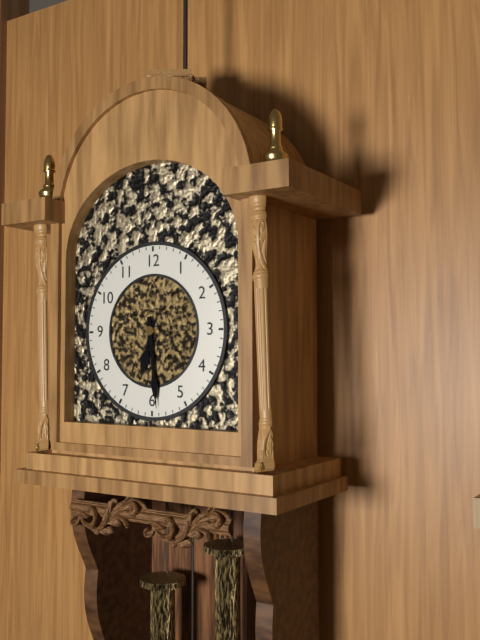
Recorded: h=6 m=29
